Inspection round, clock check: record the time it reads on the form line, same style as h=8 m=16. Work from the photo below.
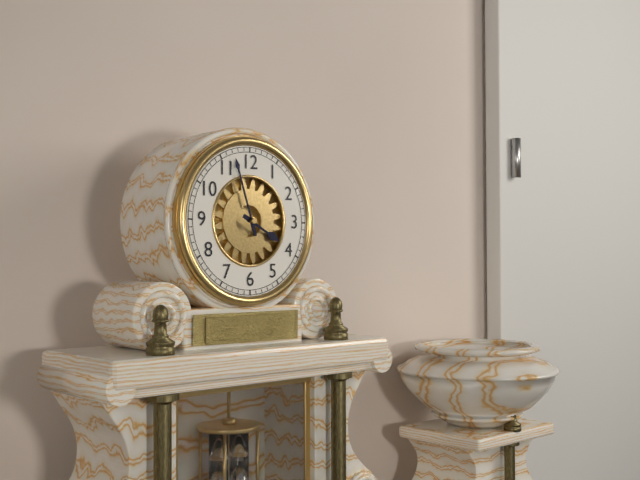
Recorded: h=3 m=57
